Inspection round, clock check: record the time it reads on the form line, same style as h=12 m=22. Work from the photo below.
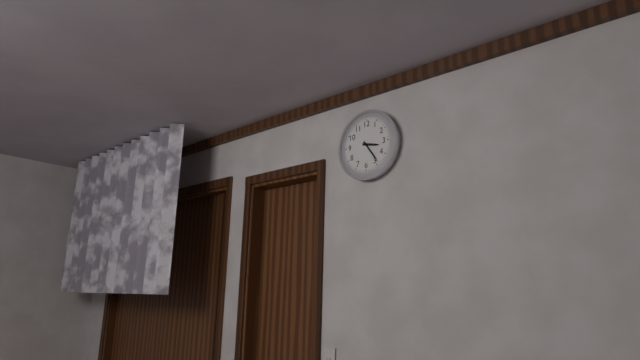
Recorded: h=3 m=24
